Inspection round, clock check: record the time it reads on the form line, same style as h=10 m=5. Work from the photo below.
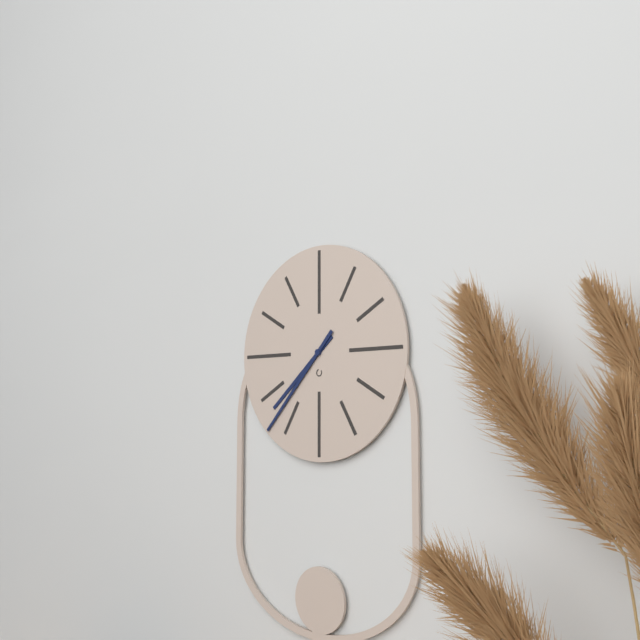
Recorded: h=7 m=37
